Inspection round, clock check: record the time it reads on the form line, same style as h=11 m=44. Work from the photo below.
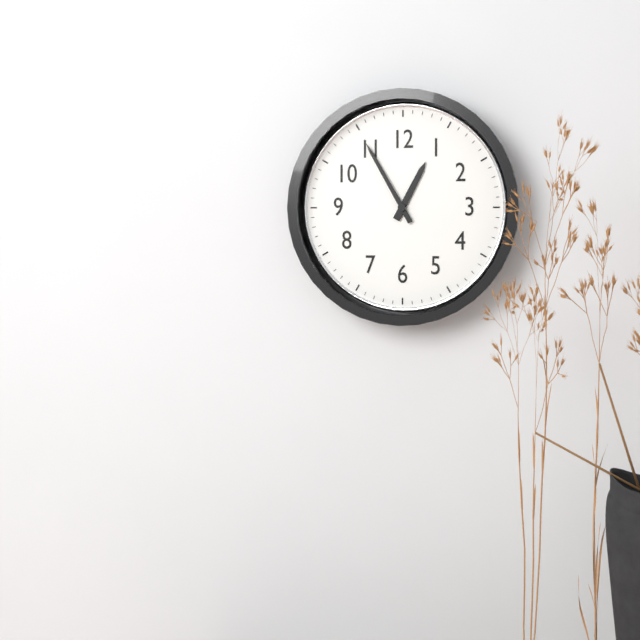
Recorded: h=12 m=55
